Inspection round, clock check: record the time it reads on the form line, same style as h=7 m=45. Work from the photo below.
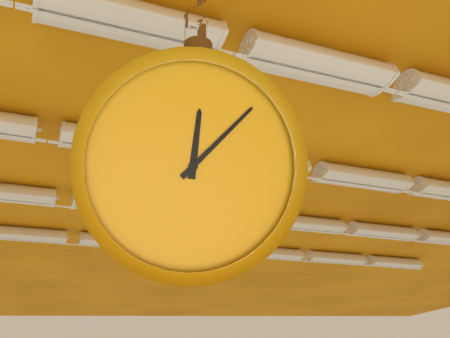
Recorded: h=12 m=7
